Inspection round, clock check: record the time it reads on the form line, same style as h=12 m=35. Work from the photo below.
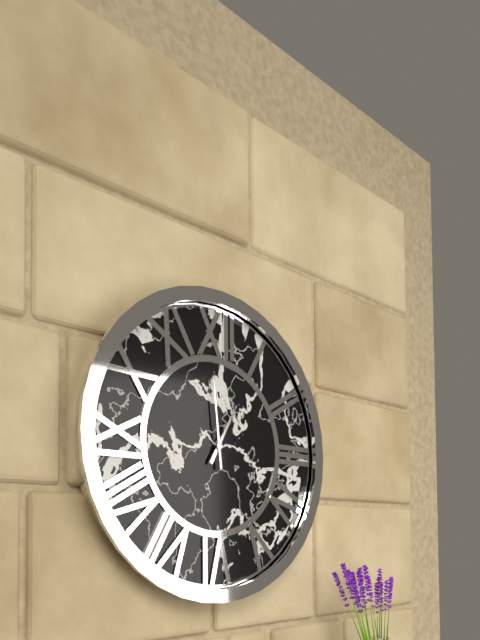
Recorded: h=12 m=59
